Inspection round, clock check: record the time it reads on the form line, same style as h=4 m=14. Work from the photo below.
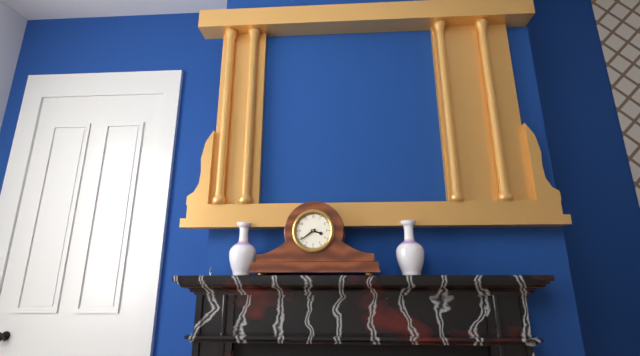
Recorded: h=3 m=39
